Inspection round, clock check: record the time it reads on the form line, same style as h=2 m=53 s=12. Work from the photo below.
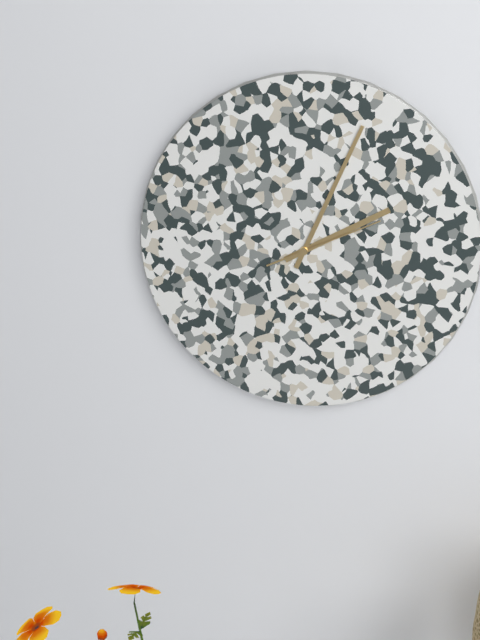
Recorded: h=2 m=4 s=11
